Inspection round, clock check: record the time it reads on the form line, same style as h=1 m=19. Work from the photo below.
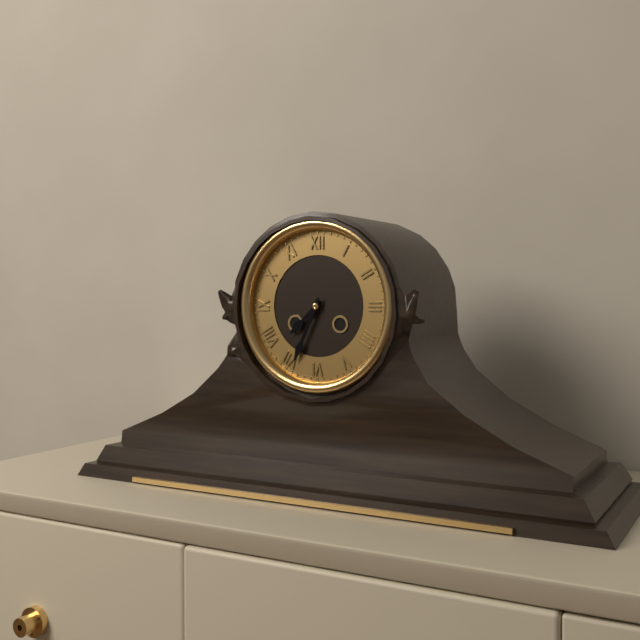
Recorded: h=7 m=34
